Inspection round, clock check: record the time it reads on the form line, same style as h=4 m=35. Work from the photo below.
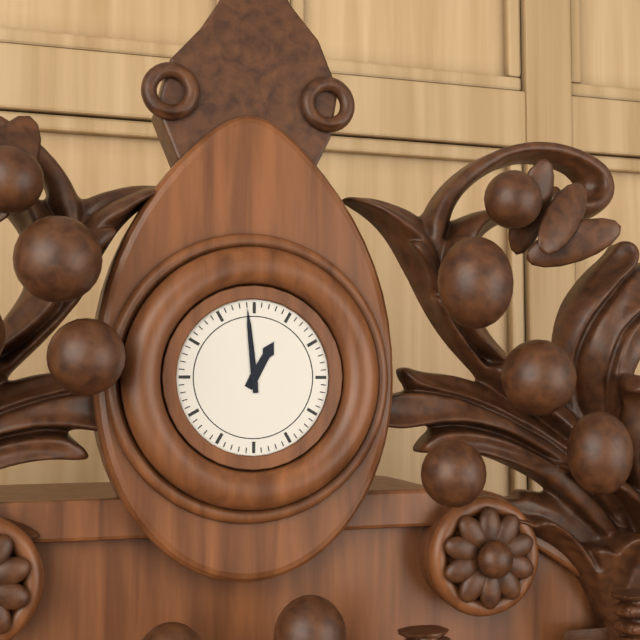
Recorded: h=12 m=59
